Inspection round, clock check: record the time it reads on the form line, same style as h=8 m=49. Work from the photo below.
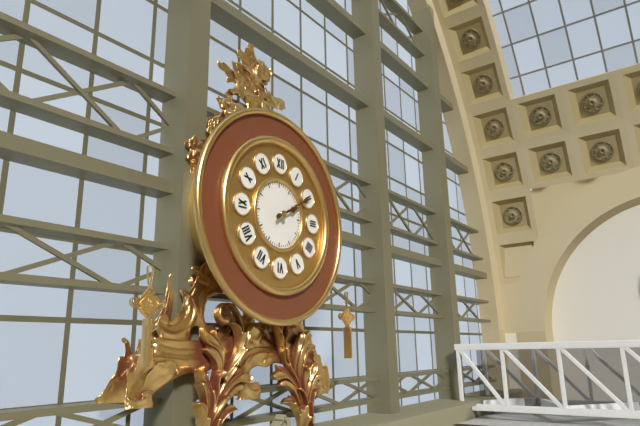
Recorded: h=2 m=10
